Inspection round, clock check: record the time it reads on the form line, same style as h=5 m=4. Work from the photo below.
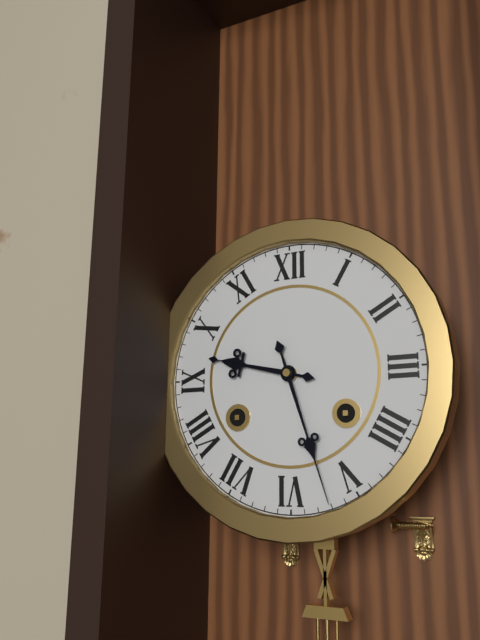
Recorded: h=9 m=27
